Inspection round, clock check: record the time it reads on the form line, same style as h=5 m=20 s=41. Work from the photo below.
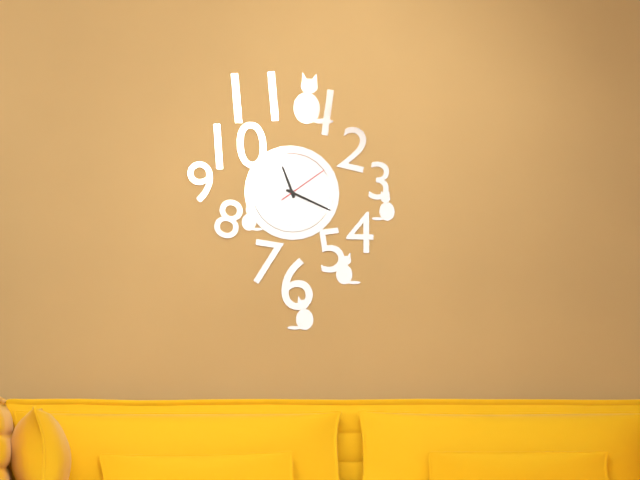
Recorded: h=11 m=19 s=9
